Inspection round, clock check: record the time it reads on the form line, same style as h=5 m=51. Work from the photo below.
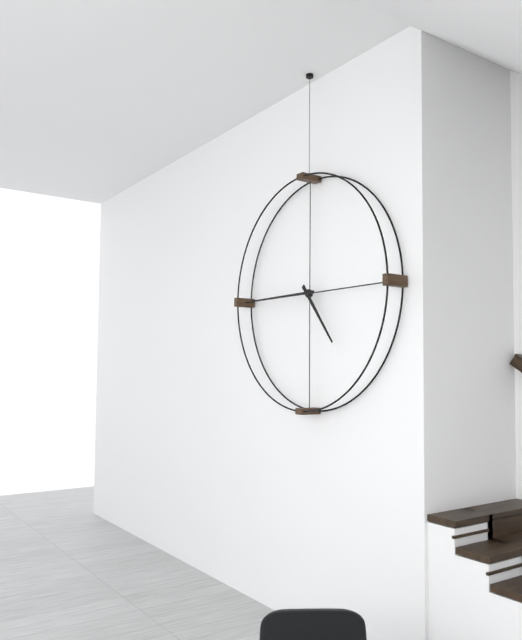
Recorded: h=4 m=45
